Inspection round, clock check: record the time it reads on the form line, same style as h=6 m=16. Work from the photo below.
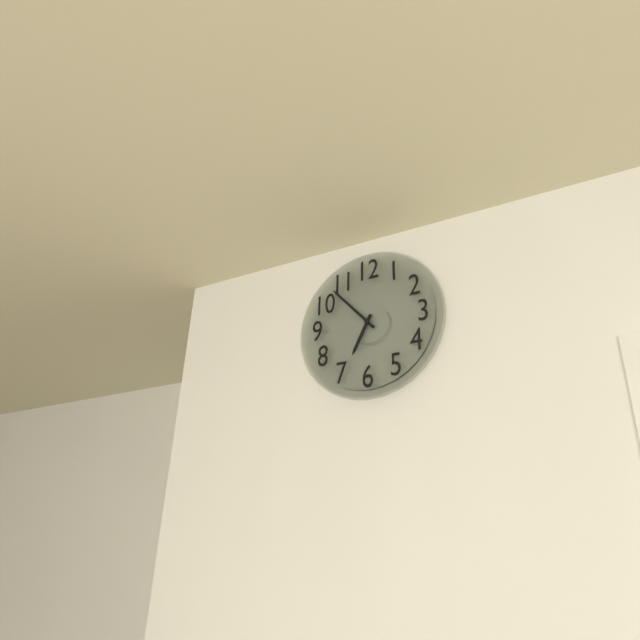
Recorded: h=6 m=53
